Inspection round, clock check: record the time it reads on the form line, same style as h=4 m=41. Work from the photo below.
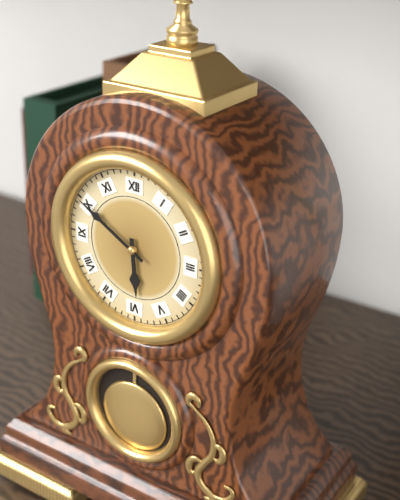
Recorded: h=5 m=50
